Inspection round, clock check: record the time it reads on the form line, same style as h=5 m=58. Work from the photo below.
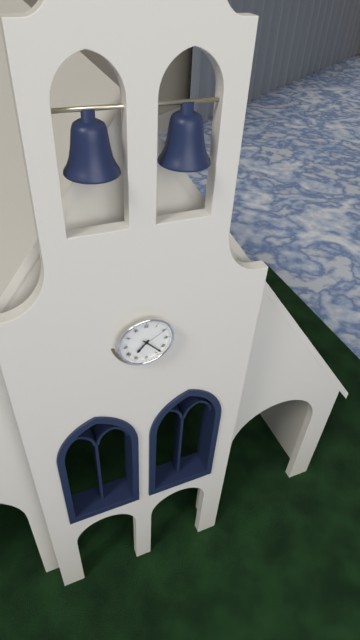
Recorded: h=7 m=23
